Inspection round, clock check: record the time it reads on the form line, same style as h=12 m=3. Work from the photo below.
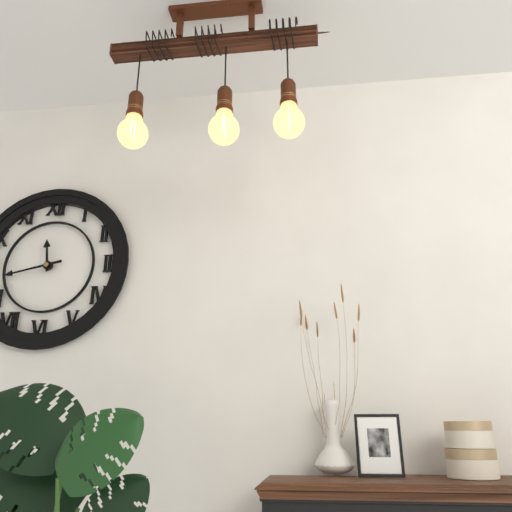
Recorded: h=11 m=43
